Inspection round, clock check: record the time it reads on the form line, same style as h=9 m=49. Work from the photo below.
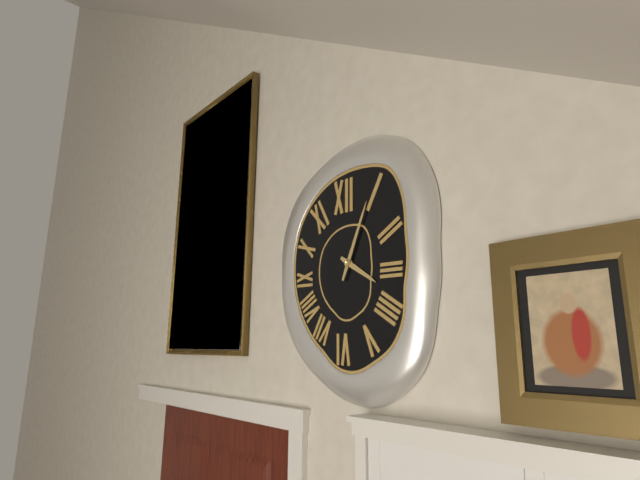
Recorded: h=4 m=4
